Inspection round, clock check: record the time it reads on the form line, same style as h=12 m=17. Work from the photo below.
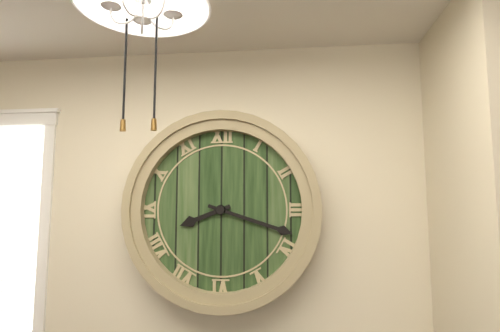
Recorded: h=8 m=18
